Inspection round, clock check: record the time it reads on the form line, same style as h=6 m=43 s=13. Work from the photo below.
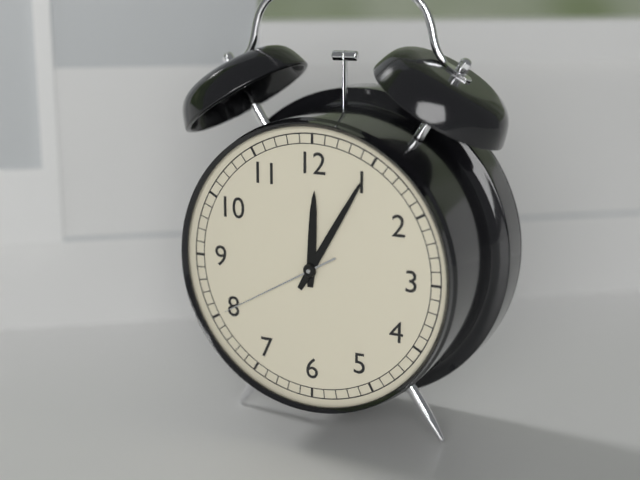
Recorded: h=12 m=5 s=40
